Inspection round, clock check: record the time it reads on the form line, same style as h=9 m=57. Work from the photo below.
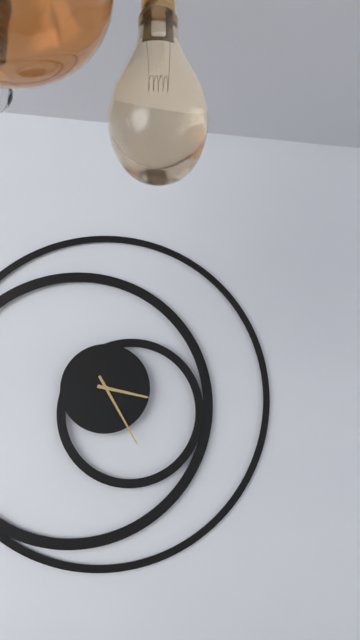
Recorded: h=3 m=25
